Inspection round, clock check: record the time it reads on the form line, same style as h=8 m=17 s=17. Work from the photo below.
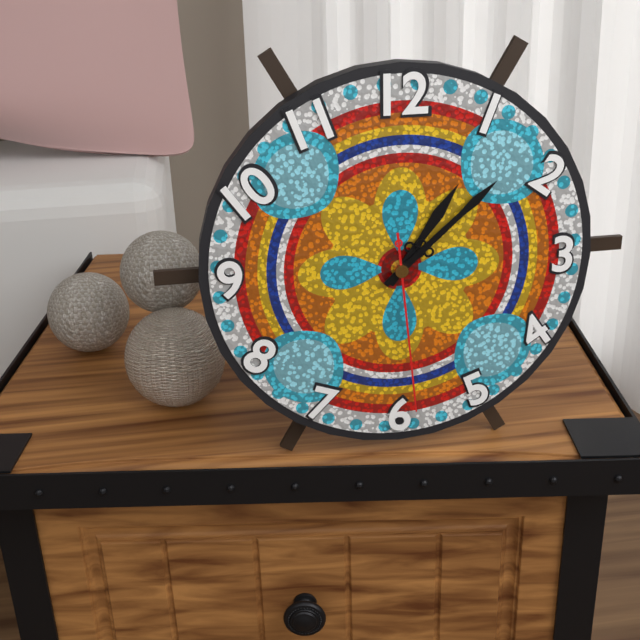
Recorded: h=1 m=8 s=29
